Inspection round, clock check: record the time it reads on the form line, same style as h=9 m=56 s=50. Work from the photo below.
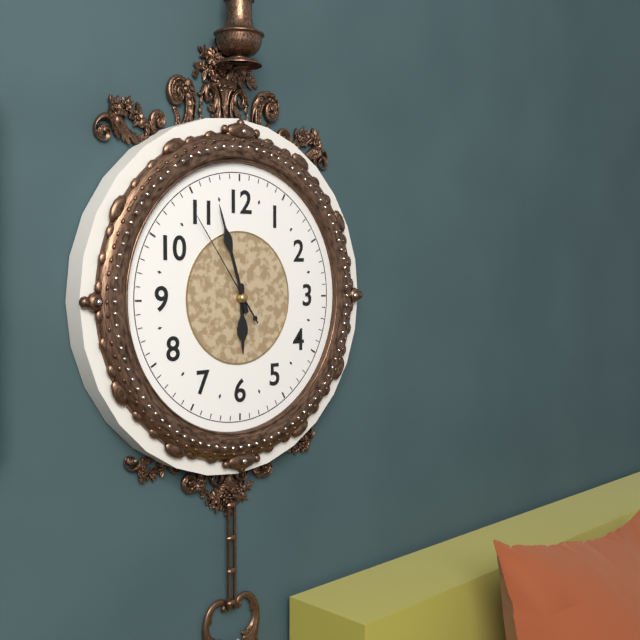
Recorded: h=5 m=57 s=54
